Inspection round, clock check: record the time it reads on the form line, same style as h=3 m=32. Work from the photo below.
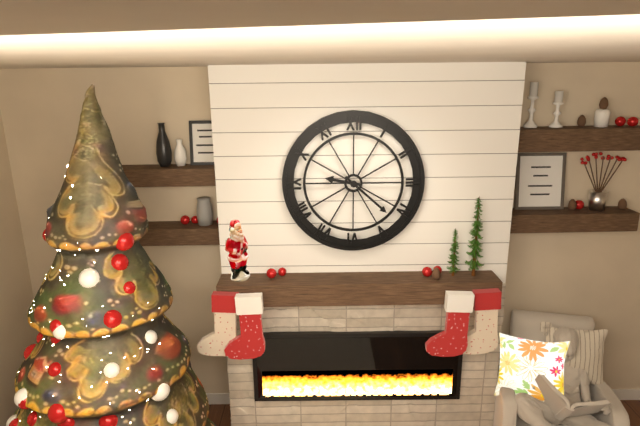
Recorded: h=9 m=22
